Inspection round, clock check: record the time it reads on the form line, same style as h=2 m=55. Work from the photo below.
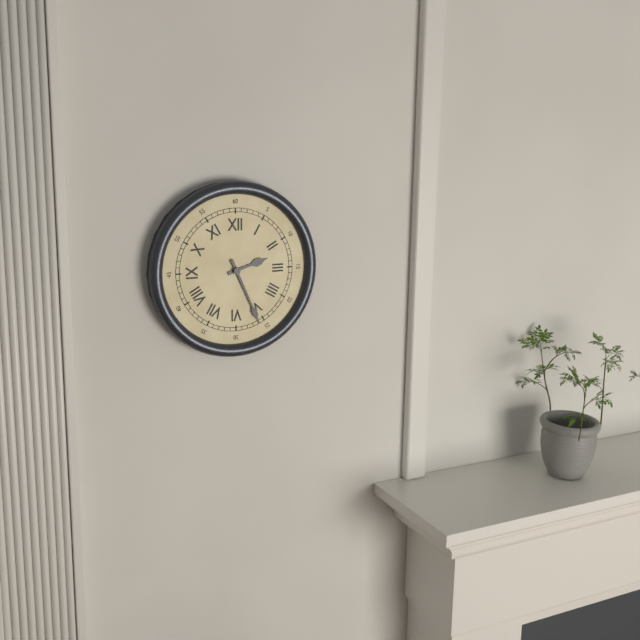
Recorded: h=2 m=26
